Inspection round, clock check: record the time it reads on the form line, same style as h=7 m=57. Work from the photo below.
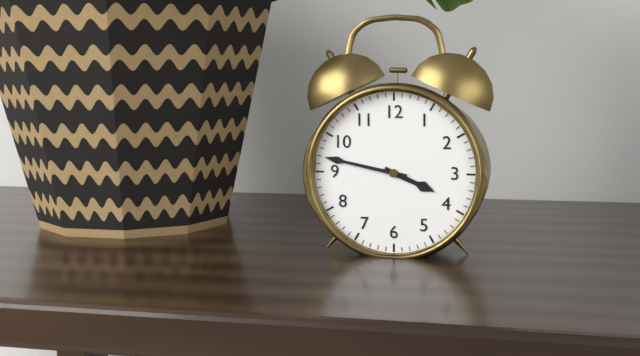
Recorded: h=3 m=47
